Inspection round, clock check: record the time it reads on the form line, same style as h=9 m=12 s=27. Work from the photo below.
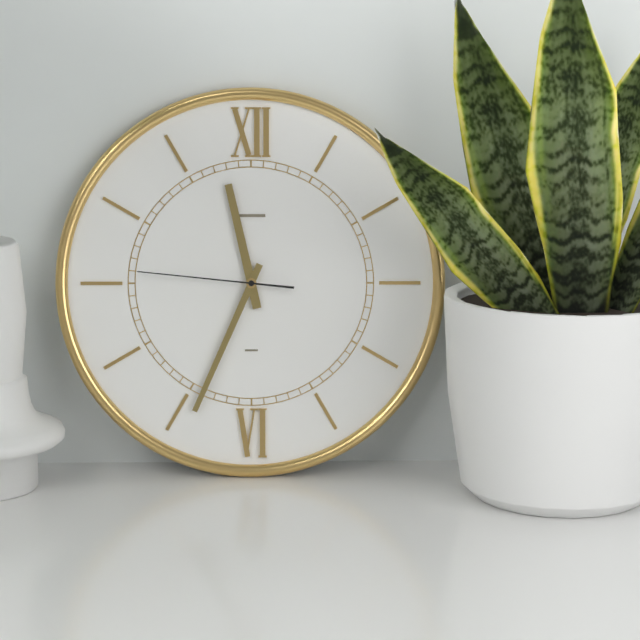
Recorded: h=11 m=34 s=46
